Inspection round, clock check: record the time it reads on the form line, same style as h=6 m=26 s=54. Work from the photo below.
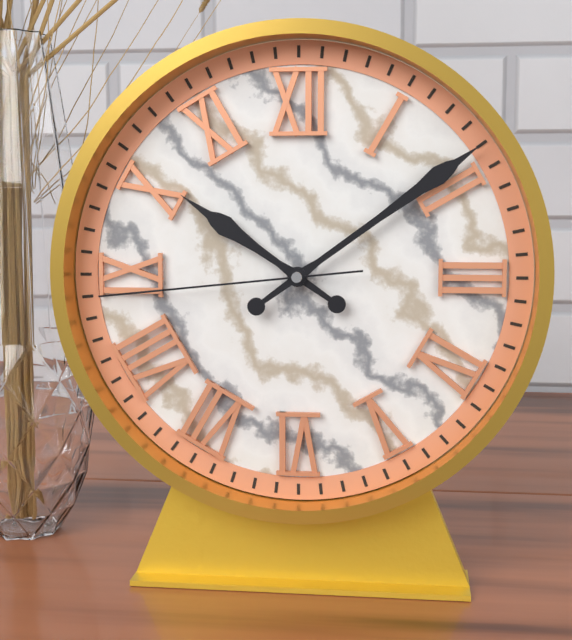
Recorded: h=10 m=9 s=44
